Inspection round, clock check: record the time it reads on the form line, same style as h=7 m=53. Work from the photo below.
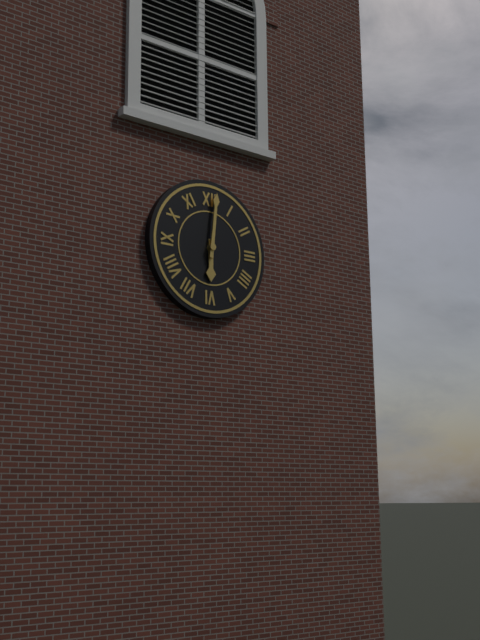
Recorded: h=6 m=1
